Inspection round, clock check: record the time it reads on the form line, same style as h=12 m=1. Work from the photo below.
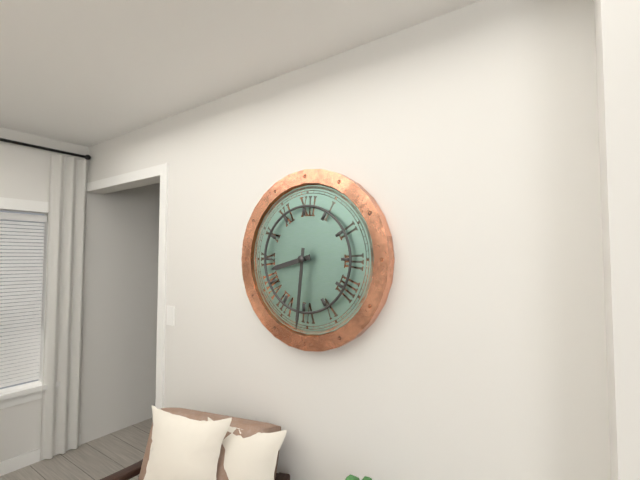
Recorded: h=8 m=31
